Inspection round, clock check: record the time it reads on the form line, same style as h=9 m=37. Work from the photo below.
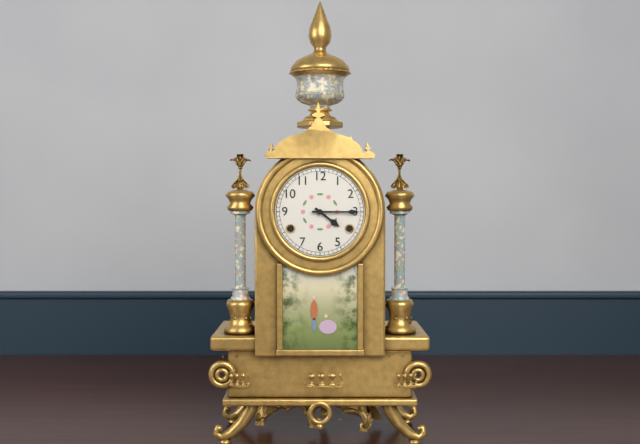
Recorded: h=4 m=15
